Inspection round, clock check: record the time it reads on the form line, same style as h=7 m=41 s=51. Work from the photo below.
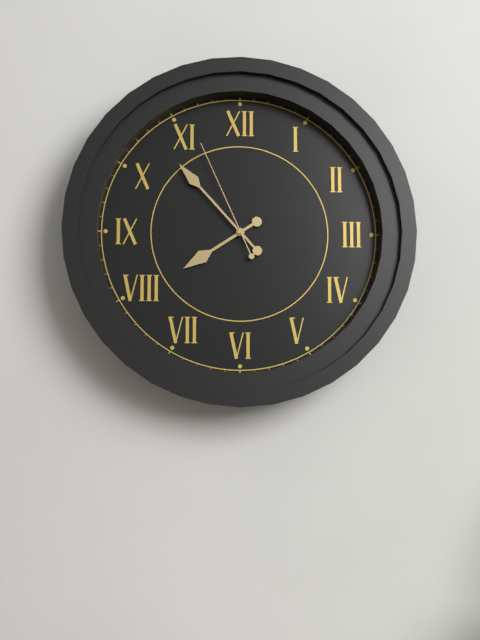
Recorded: h=7 m=53 s=56
